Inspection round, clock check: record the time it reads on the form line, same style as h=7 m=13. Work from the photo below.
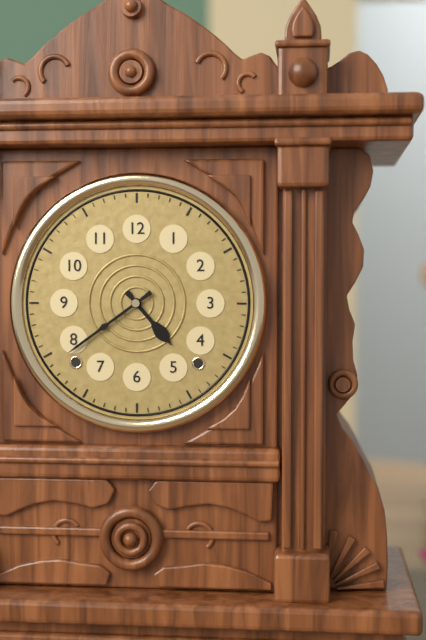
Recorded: h=4 m=39
